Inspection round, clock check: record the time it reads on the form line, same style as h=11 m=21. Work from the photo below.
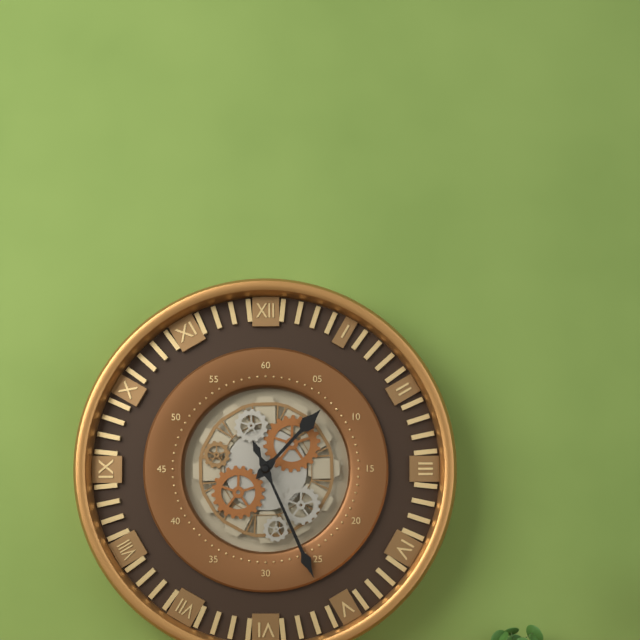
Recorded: h=1 m=26
